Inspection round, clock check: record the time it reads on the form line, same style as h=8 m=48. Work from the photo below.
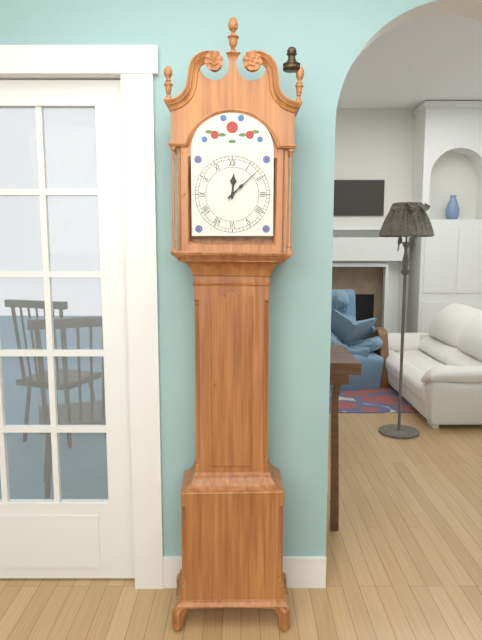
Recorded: h=12 m=8
